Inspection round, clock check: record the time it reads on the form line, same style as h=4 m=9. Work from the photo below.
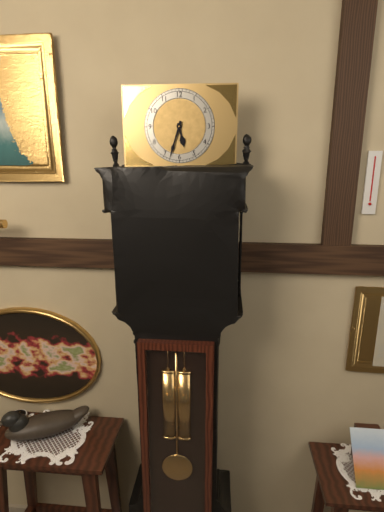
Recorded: h=5 m=33
